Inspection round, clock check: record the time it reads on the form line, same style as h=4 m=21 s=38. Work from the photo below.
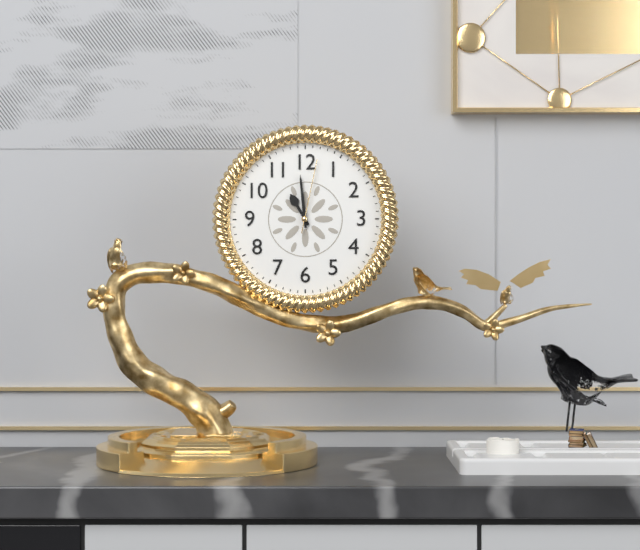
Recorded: h=10 m=59 s=2
